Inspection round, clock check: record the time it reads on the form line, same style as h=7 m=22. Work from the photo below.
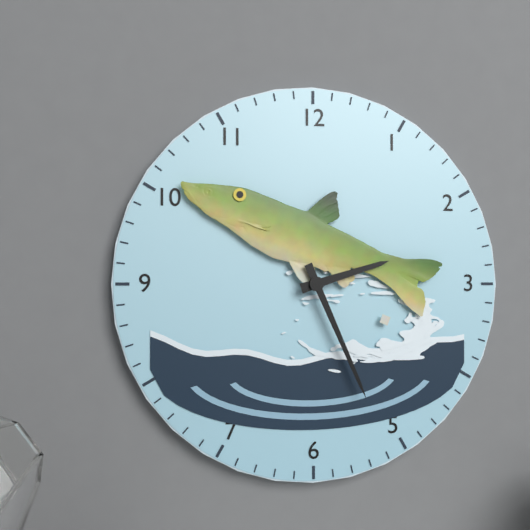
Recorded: h=2 m=26
